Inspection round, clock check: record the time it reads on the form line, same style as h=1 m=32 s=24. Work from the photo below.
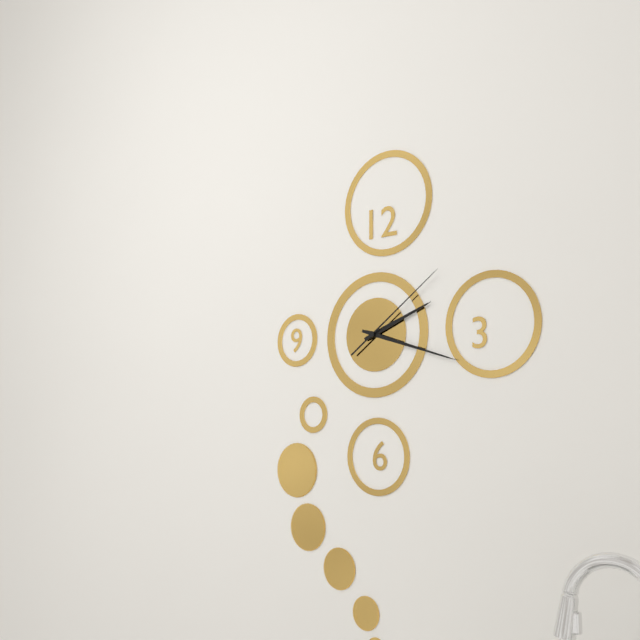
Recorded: h=2 m=18 s=9
